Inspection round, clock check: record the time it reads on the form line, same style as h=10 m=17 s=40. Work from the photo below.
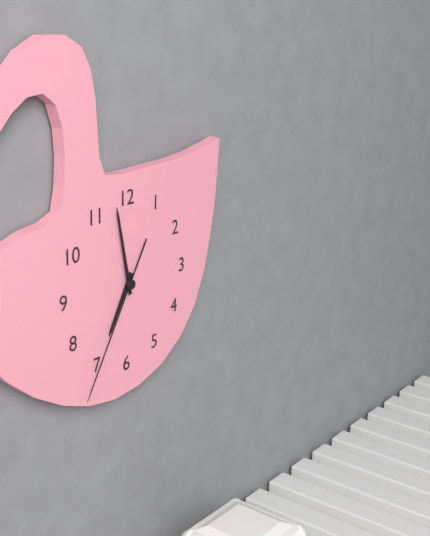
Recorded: h=6 m=58 s=35
